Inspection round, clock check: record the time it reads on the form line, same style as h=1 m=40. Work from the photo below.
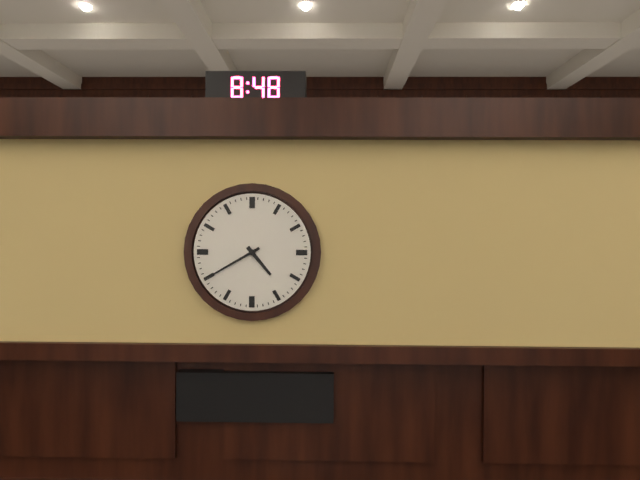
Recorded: h=4 m=40
